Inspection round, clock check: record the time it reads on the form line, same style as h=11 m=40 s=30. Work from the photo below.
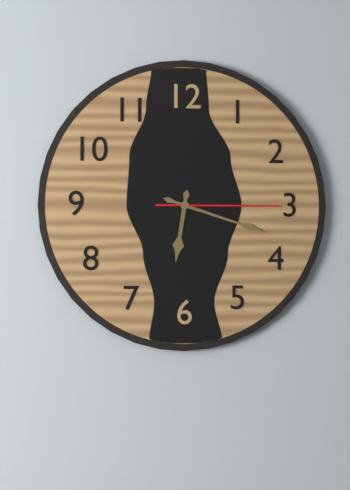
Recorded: h=6 m=18 s=15
